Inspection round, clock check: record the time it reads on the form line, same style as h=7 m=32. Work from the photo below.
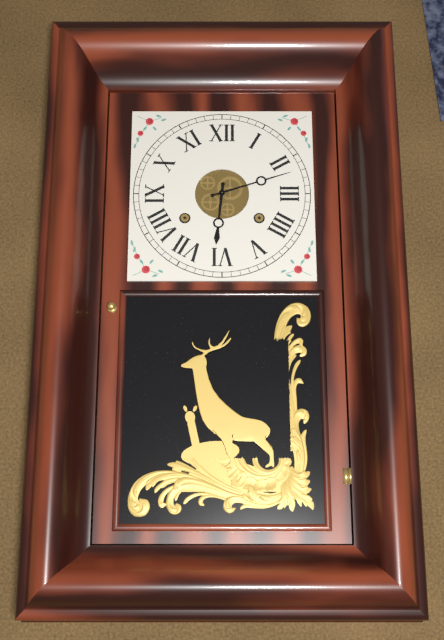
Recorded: h=6 m=12
